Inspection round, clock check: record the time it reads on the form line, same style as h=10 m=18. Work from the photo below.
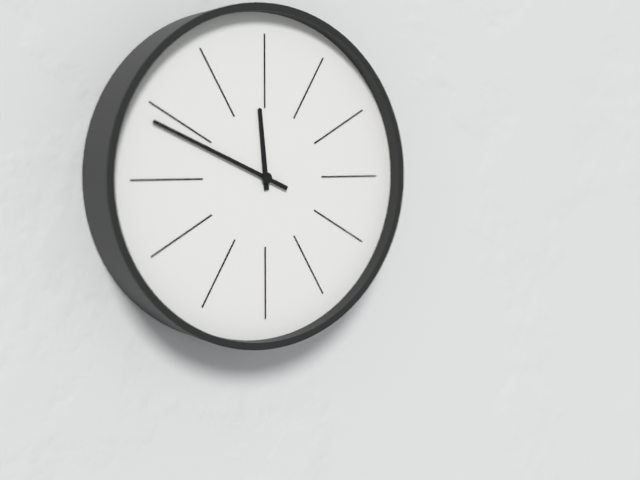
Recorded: h=11 m=49
